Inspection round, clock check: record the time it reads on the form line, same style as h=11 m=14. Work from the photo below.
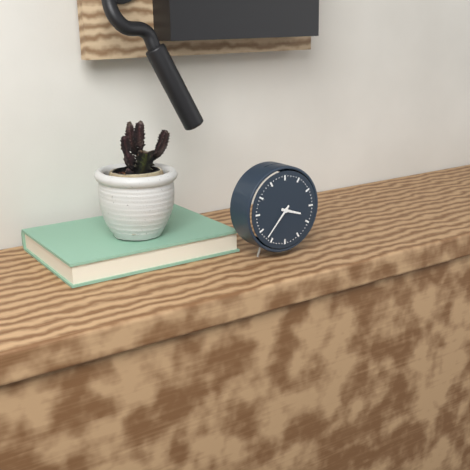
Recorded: h=3 m=37
